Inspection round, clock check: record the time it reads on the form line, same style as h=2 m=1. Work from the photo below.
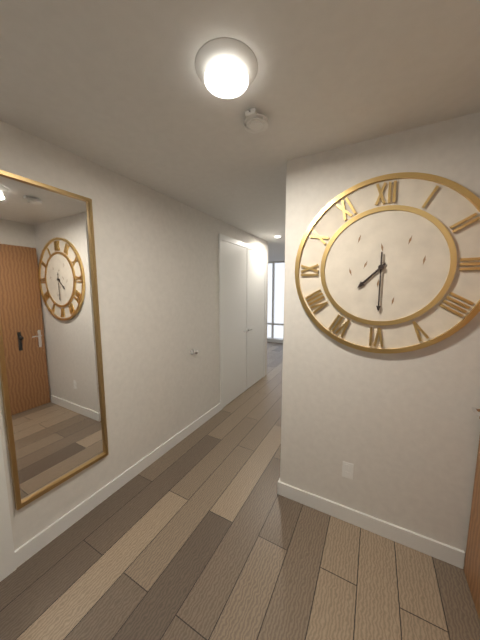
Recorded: h=7 m=30
